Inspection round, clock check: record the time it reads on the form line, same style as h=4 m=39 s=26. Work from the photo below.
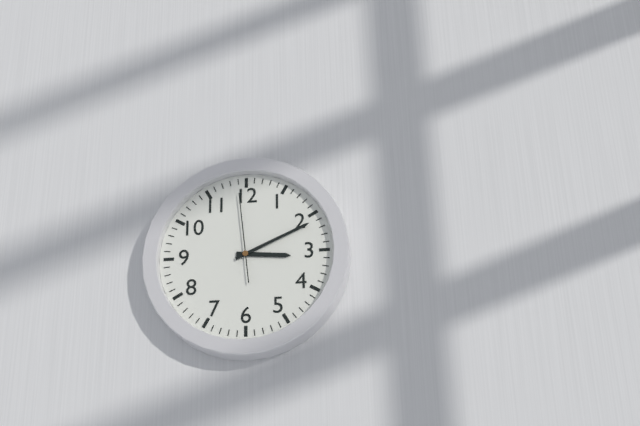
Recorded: h=3 m=11 s=59
